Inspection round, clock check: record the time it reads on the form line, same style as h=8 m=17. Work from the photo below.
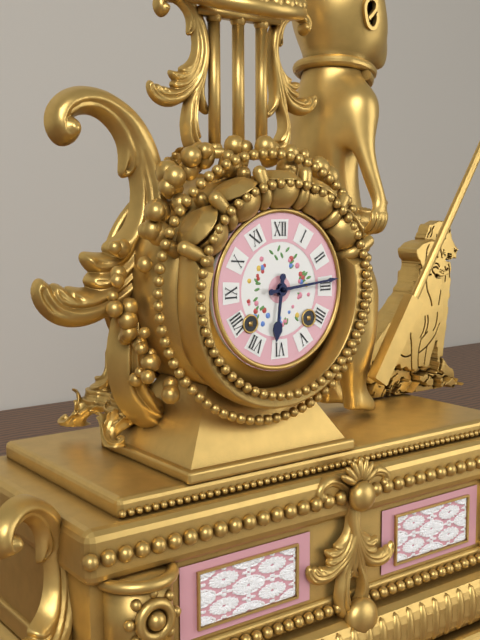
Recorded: h=6 m=14
